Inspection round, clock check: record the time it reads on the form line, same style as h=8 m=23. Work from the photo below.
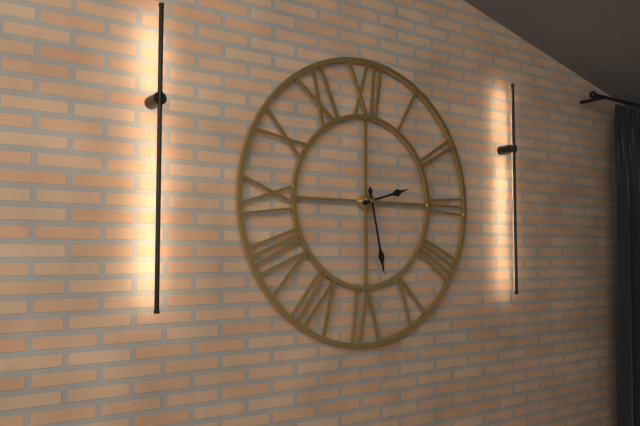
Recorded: h=2 m=28
